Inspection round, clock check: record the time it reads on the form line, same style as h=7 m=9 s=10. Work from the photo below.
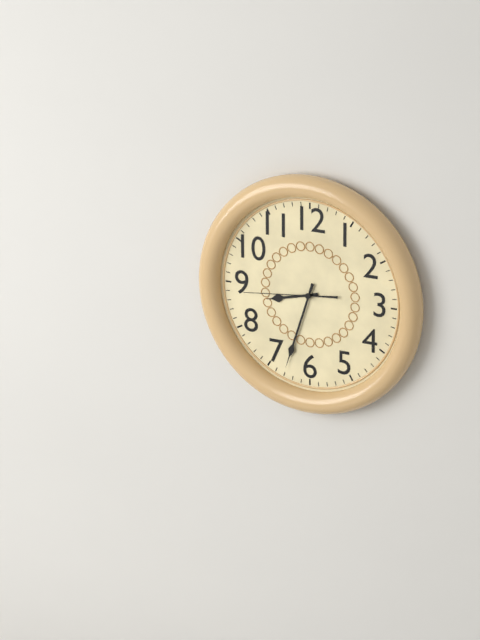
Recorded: h=8 m=33 s=44
